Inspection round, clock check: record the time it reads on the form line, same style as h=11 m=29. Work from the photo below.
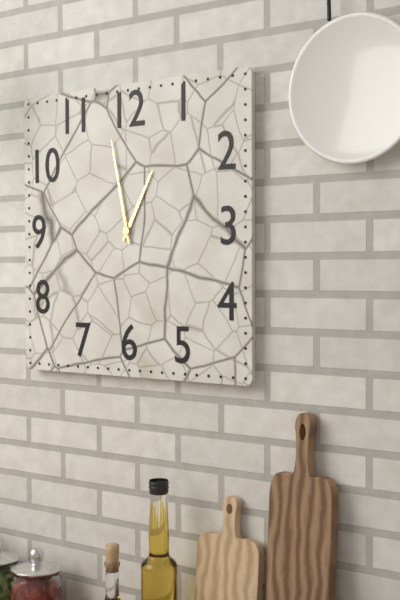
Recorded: h=12 m=58
